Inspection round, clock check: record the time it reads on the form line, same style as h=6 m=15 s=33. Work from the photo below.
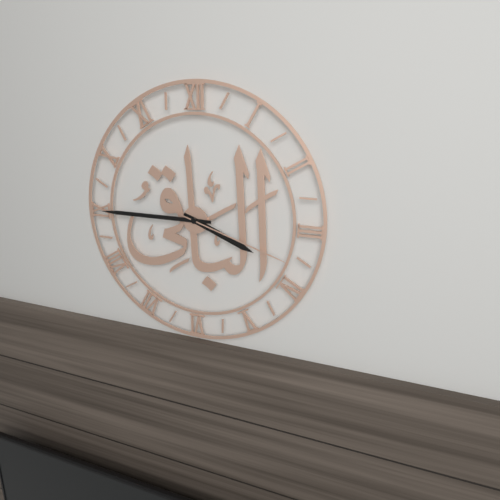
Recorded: h=3 m=45 s=18
